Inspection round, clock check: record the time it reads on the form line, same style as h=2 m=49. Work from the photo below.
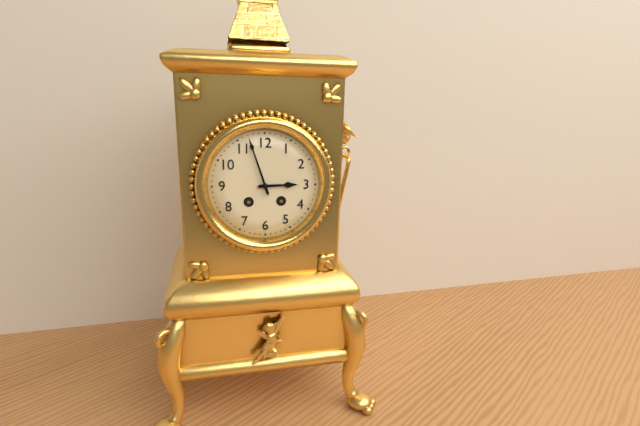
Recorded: h=2 m=57
